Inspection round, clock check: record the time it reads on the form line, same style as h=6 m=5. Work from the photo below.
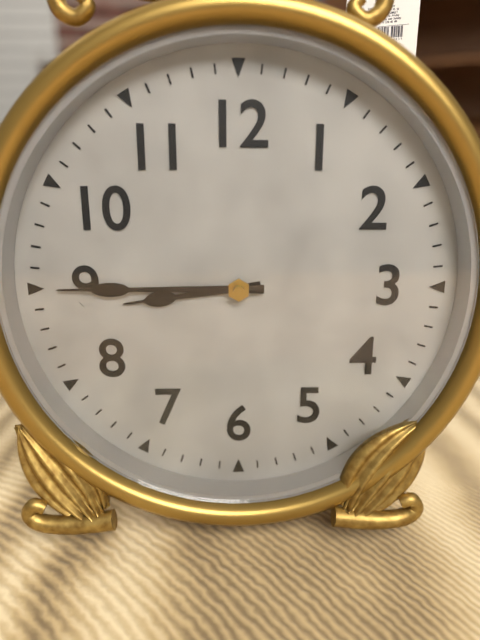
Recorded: h=8 m=45
